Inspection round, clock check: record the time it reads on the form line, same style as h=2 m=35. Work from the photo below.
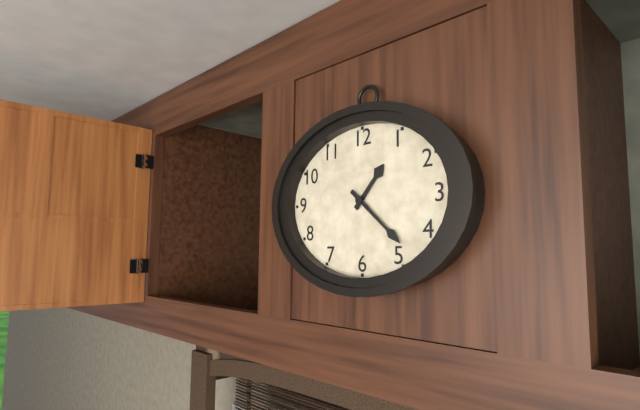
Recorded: h=1 m=22
